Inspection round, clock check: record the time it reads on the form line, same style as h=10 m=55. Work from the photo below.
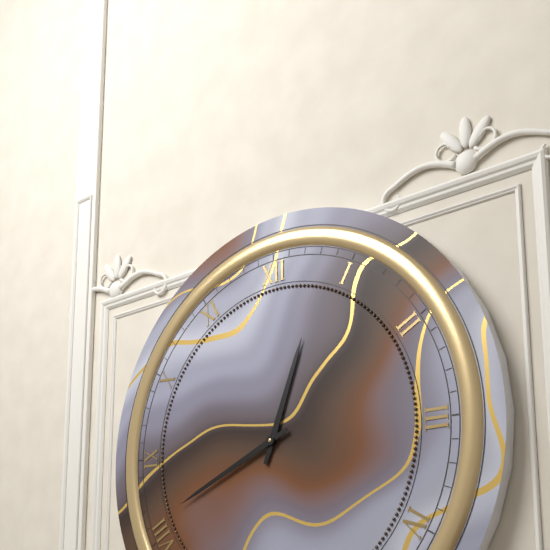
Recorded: h=12 m=41
